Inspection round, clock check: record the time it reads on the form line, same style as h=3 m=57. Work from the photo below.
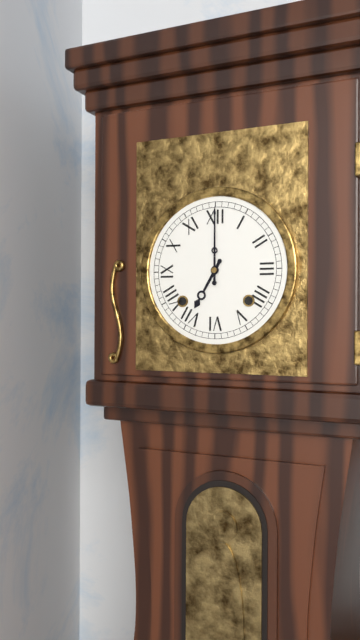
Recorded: h=7 m=0
